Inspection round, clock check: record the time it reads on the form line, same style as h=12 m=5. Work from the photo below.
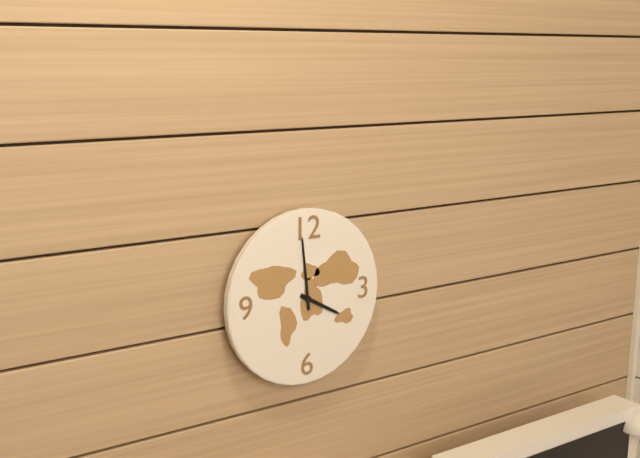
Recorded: h=3 m=59
